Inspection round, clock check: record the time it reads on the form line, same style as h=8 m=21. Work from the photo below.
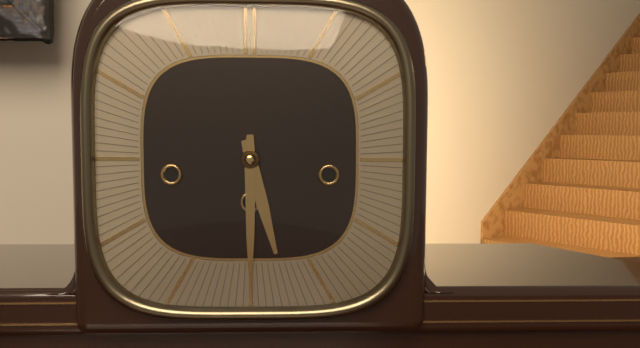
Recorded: h=5 m=30
